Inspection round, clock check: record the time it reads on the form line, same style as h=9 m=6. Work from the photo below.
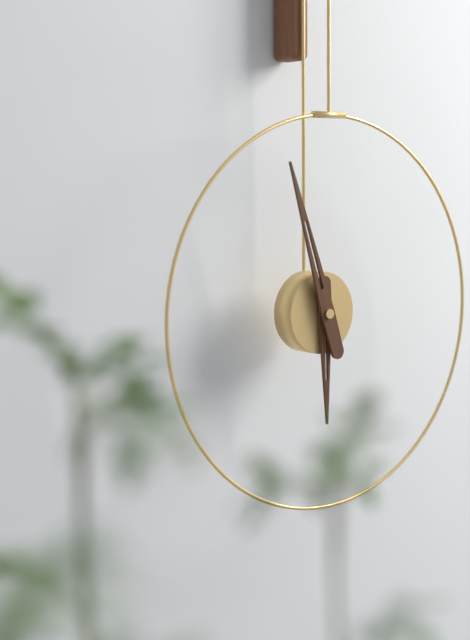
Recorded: h=5 m=57
